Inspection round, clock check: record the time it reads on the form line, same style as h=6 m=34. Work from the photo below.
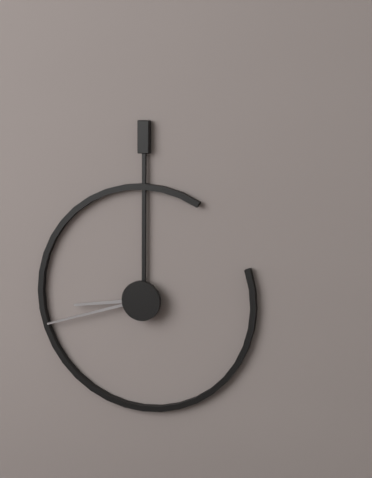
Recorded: h=8 m=42
